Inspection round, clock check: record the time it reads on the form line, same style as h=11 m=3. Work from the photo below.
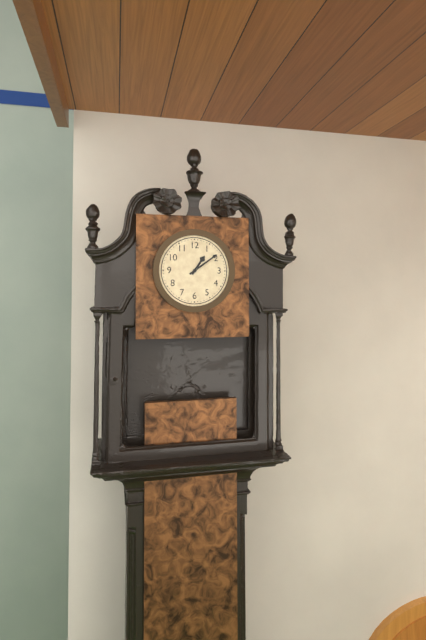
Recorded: h=1 m=9
